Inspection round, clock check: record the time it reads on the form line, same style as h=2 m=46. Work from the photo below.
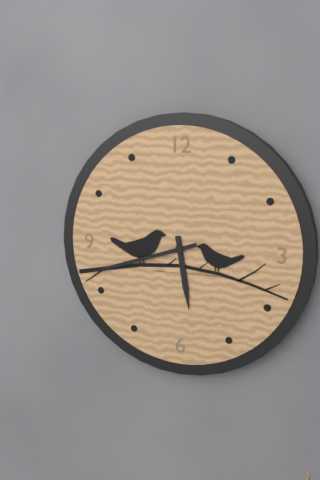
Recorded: h=5 m=42
